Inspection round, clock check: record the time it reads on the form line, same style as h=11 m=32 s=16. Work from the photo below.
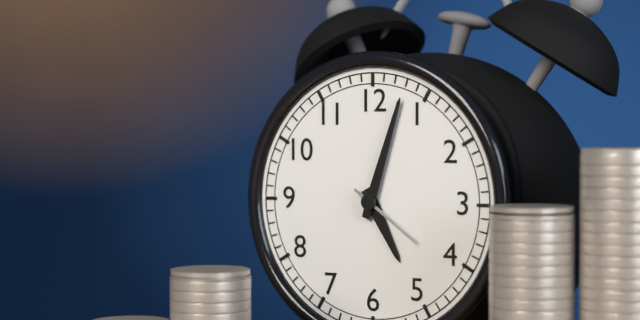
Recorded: h=5 m=3 s=21
